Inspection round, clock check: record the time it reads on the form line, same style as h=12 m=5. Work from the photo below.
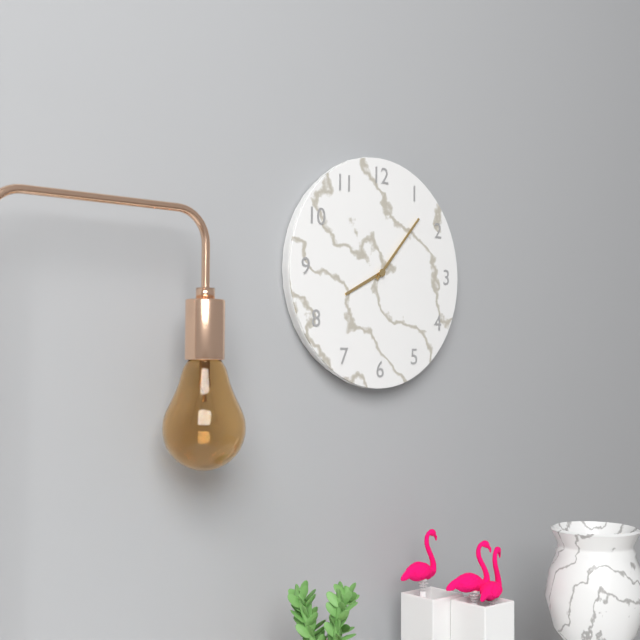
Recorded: h=8 m=7
